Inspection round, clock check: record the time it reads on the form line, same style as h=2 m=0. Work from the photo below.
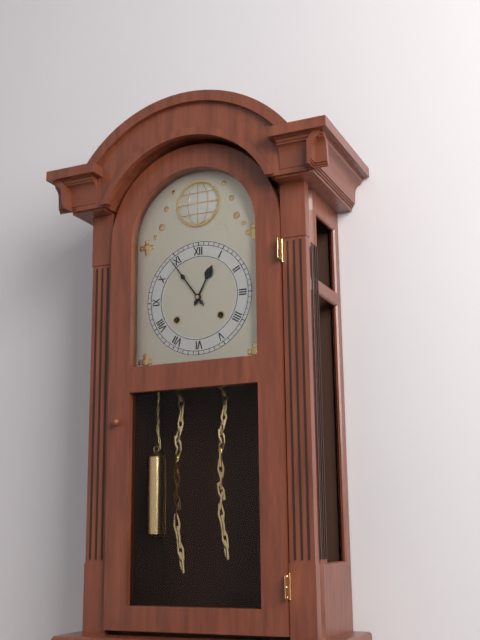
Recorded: h=12 m=54
